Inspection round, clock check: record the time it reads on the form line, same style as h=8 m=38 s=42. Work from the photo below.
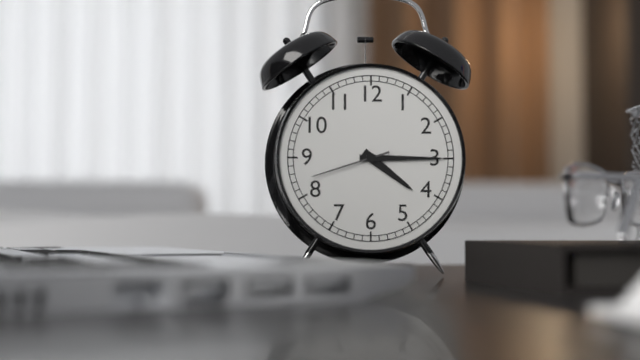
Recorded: h=4 m=15 s=42
